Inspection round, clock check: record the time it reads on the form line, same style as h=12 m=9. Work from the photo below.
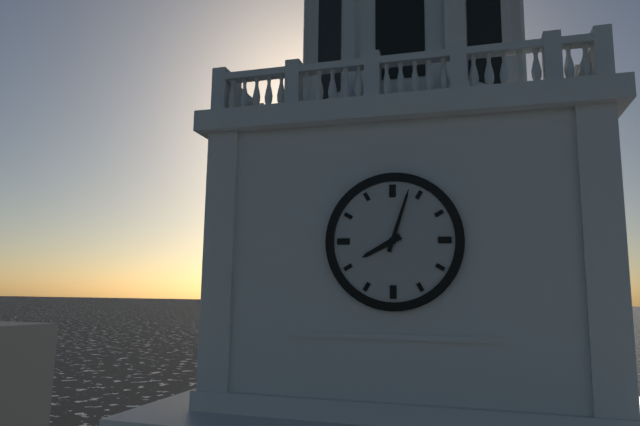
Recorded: h=8 m=3
